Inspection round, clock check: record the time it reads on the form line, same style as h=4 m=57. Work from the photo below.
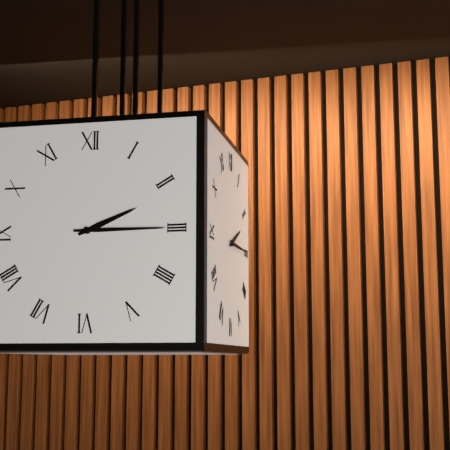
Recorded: h=2 m=15
